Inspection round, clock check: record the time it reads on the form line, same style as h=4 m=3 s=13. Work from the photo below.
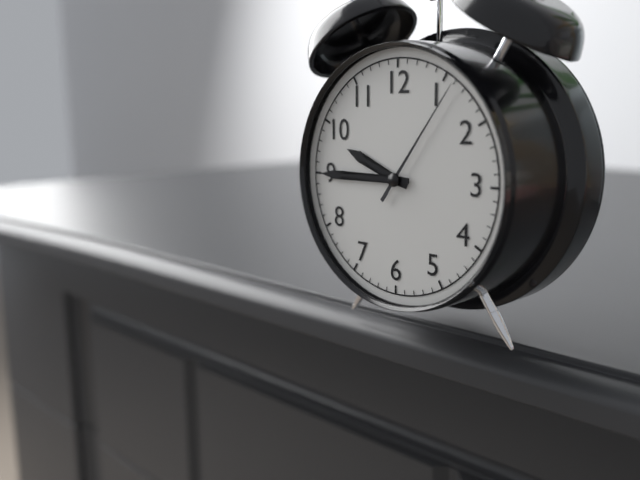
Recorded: h=9 m=45 s=6
